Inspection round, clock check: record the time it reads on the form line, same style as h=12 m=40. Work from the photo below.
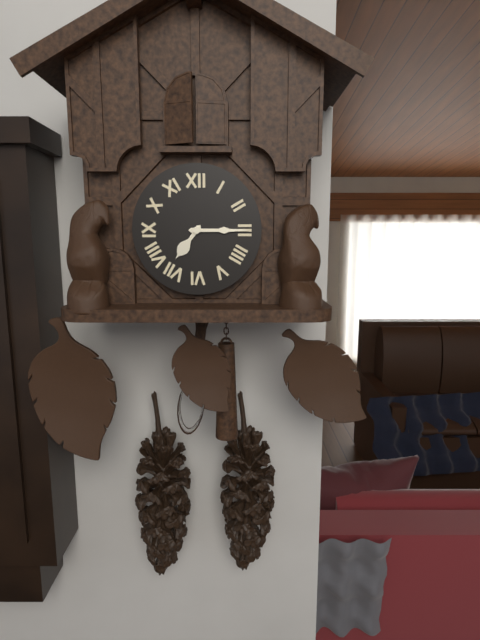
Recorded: h=7 m=15
